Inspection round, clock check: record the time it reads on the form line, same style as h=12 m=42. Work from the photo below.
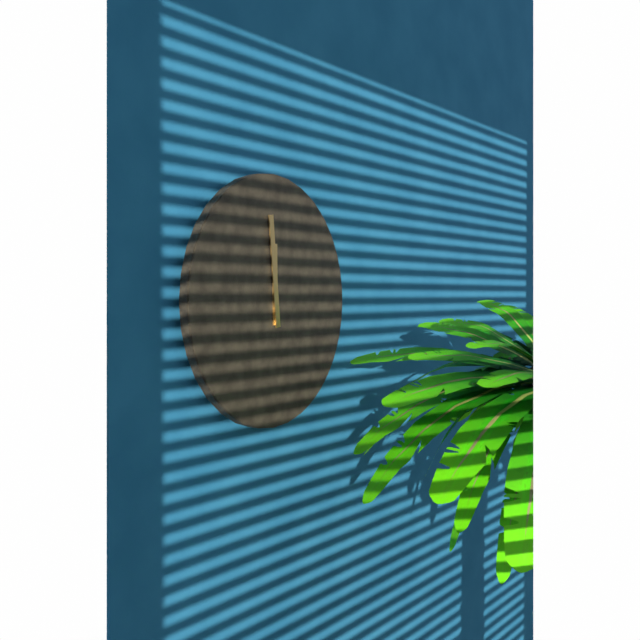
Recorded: h=11 m=59
